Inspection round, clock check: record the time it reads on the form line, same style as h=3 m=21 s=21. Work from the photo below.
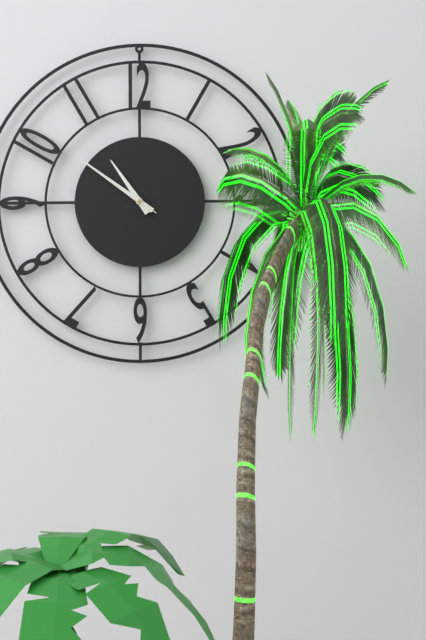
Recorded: h=10 m=51 s=51
